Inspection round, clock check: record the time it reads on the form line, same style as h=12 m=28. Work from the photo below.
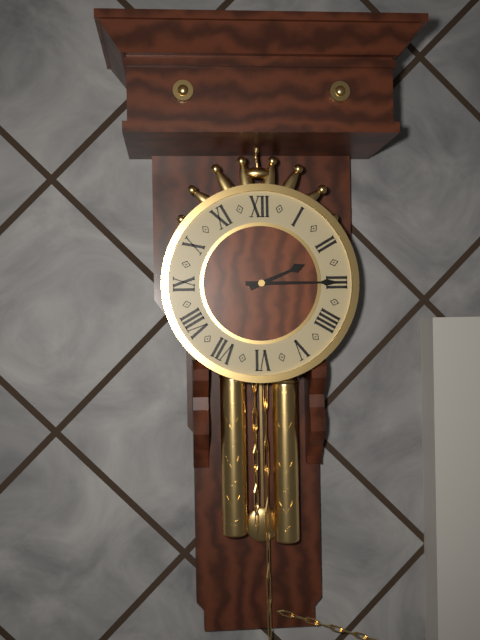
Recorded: h=2 m=15
